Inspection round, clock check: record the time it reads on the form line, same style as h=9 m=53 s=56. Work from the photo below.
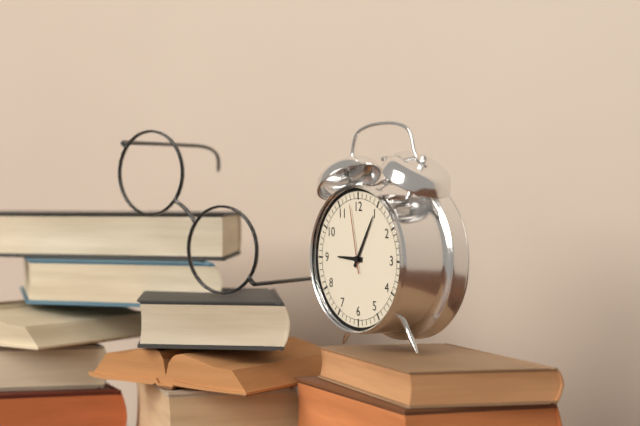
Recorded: h=9 m=5 s=58
